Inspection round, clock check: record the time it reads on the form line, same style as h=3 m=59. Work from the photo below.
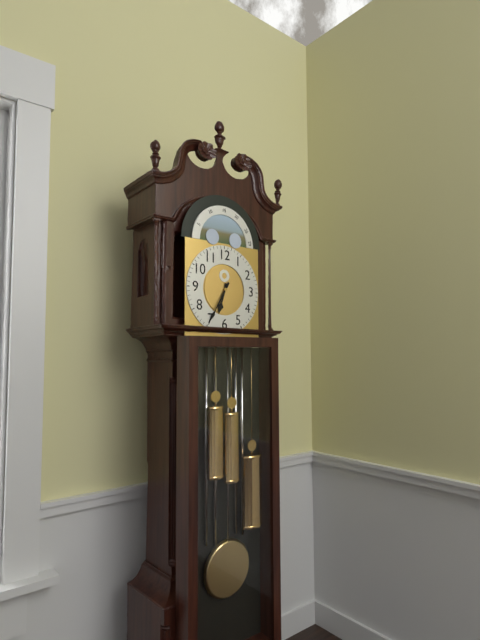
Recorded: h=6 m=35
